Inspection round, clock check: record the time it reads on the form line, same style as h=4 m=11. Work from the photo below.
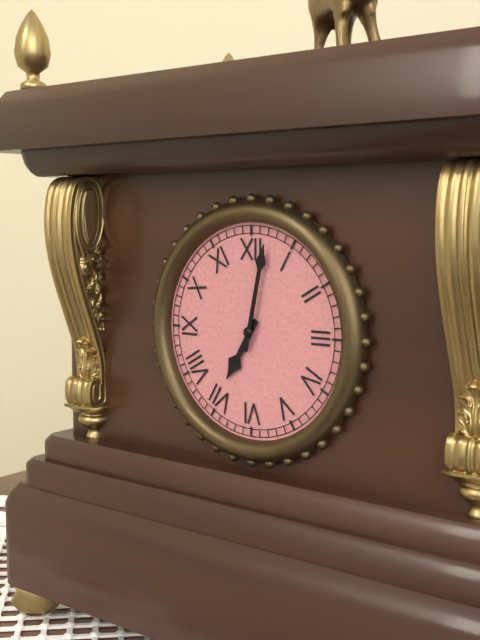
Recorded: h=7 m=2
